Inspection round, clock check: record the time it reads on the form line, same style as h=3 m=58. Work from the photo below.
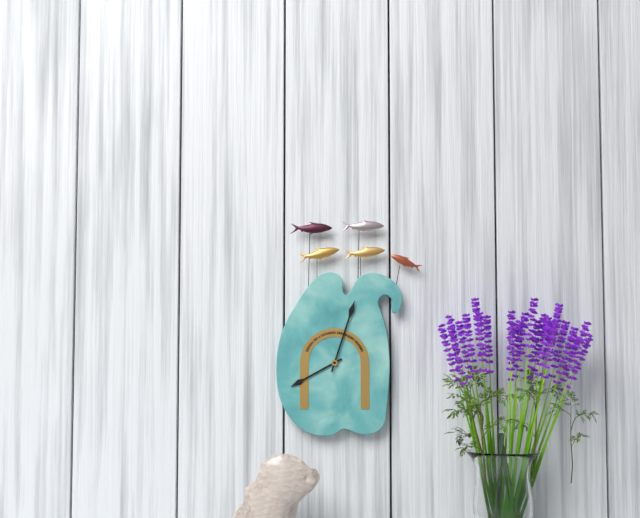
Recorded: h=8 m=3
